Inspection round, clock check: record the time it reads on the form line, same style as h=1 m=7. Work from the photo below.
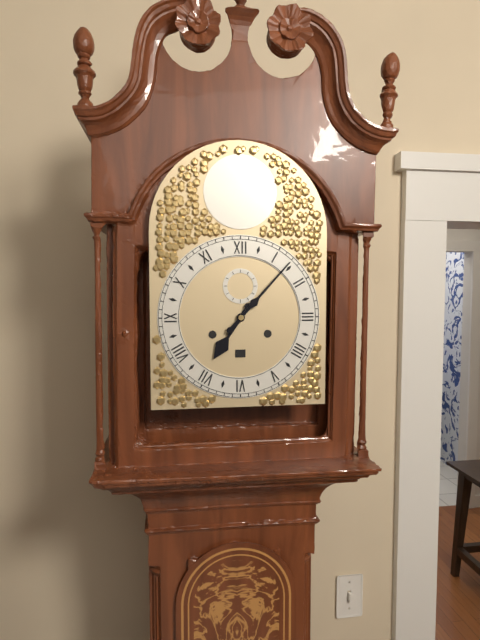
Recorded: h=7 m=7
